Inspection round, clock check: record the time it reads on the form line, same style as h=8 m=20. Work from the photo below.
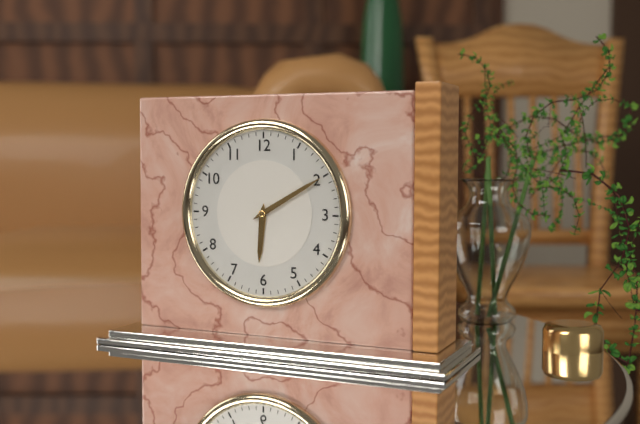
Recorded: h=6 m=10
